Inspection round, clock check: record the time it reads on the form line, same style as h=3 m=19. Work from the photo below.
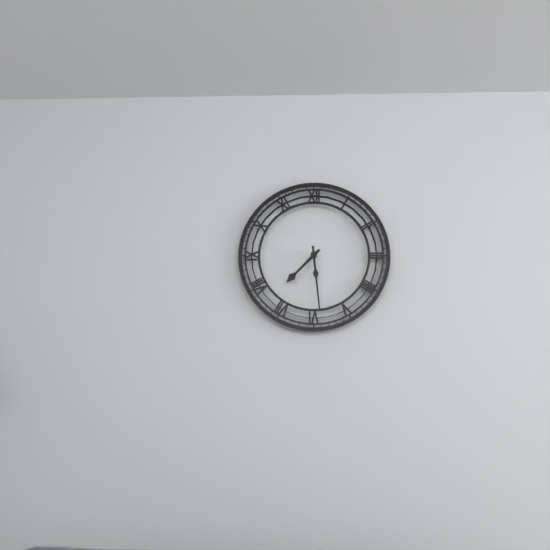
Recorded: h=7 m=29
